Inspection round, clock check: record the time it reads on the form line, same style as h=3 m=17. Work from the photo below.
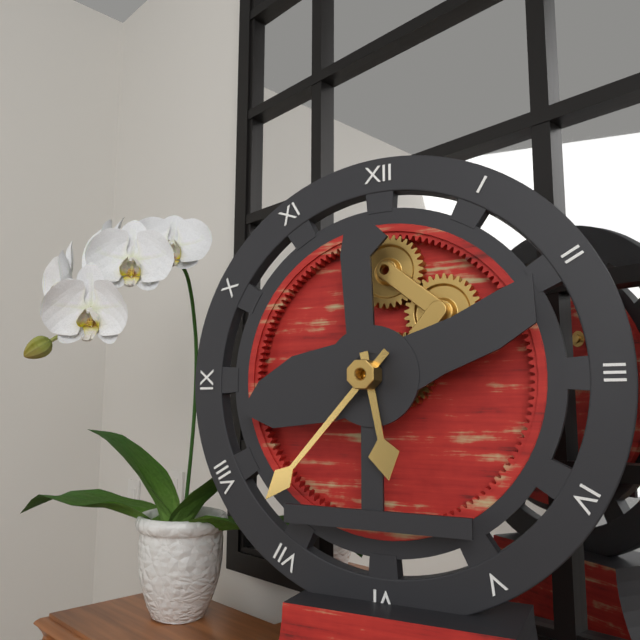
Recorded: h=5 m=37
